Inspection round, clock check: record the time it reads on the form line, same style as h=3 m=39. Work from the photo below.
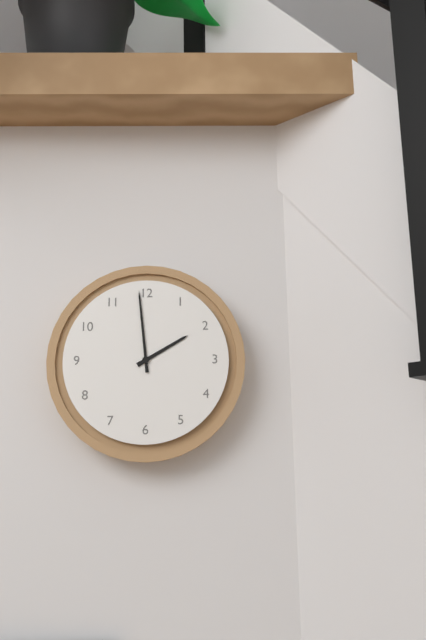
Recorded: h=1 m=59
